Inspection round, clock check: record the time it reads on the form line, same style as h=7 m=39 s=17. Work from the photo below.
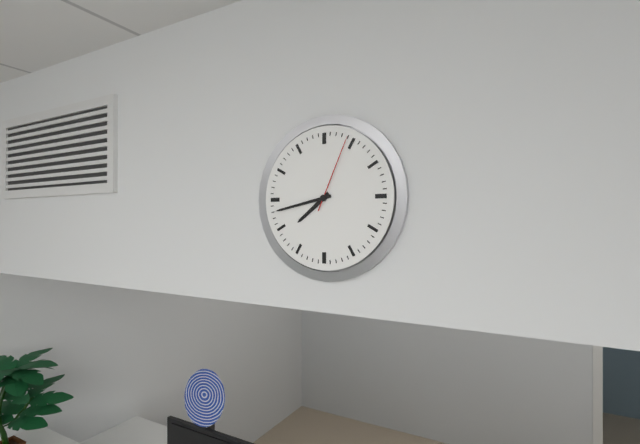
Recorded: h=7 m=43 s=4
